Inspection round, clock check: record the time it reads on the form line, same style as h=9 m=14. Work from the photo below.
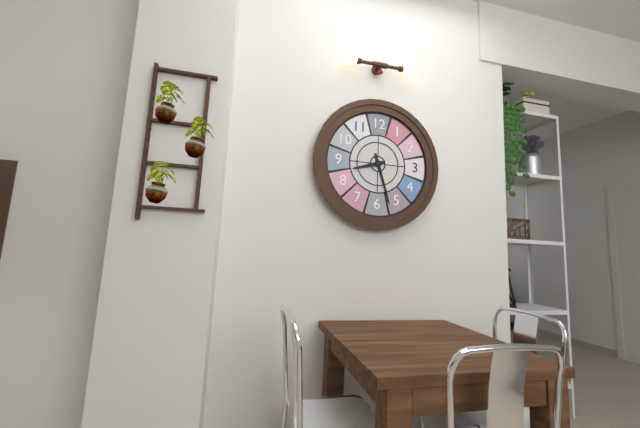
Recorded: h=8 m=27
